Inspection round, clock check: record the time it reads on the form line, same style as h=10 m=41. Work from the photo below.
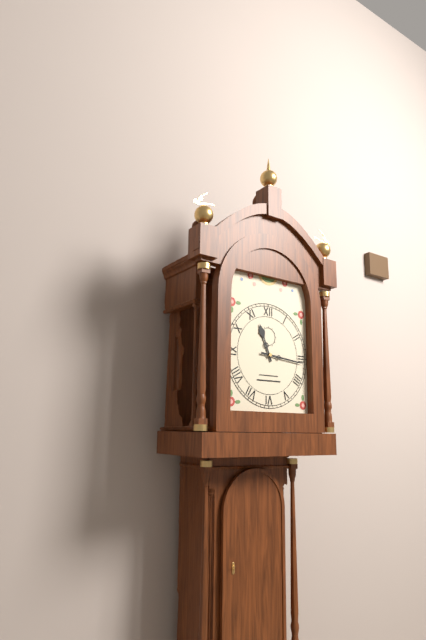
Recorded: h=11 m=16
